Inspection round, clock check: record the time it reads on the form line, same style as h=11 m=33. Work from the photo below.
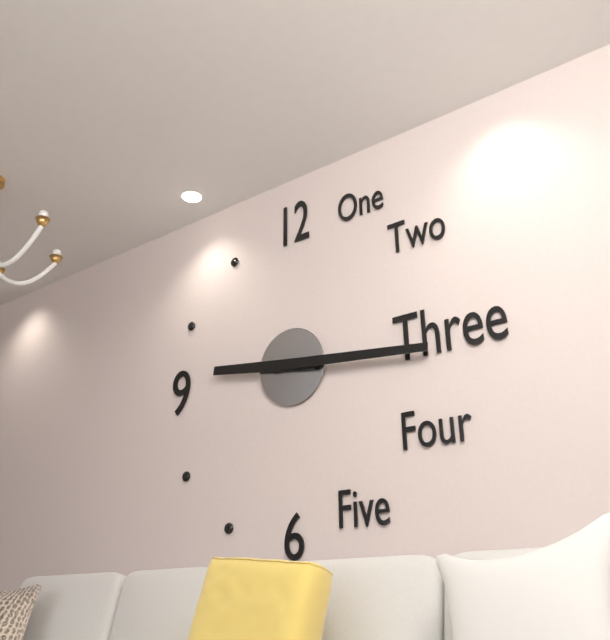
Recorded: h=9 m=16
